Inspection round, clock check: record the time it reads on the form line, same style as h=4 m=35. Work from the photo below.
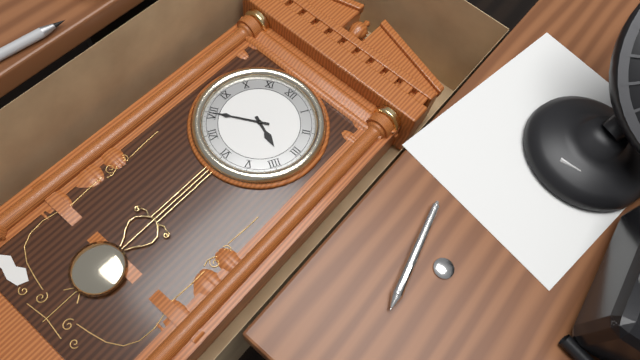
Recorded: h=3 m=40
